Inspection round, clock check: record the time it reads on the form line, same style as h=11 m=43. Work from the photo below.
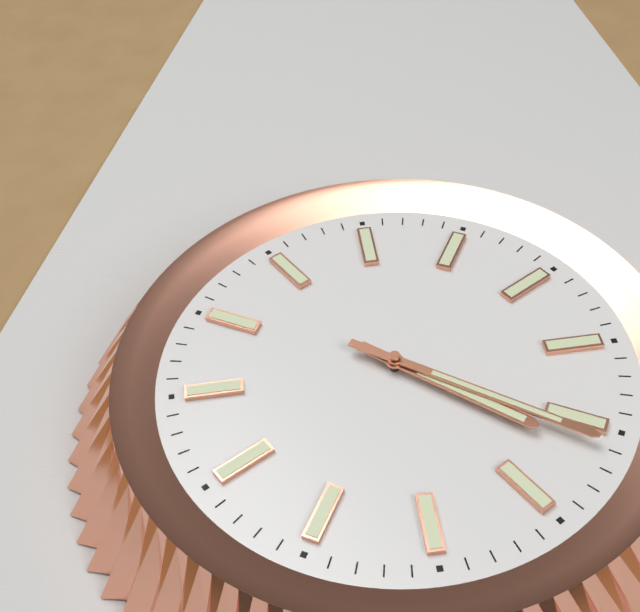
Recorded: h=4 m=21
